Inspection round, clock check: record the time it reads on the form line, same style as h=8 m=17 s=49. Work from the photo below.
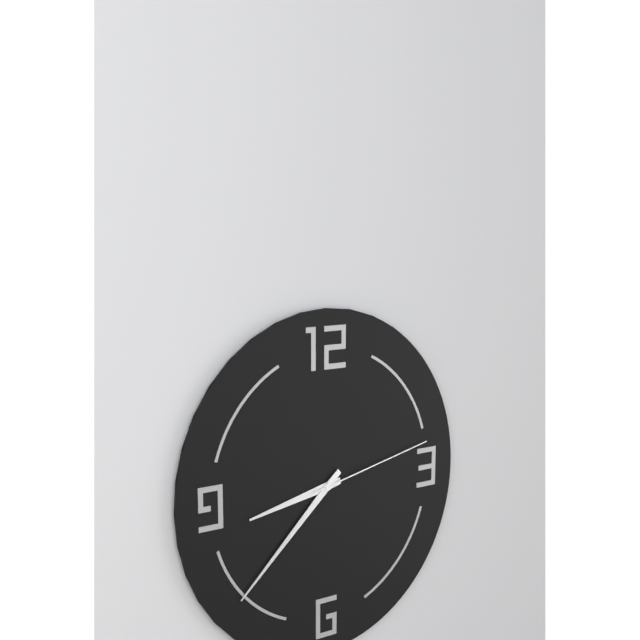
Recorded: h=8 m=38 s=13
